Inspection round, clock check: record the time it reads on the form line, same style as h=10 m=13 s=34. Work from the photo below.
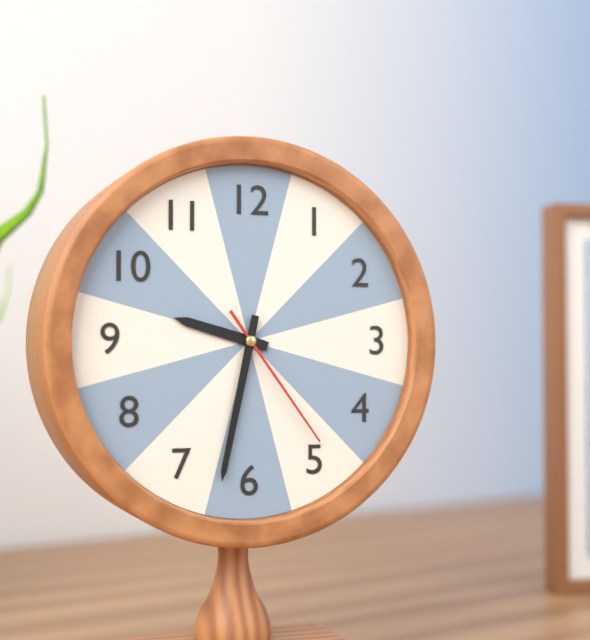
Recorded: h=9 m=32 s=24
